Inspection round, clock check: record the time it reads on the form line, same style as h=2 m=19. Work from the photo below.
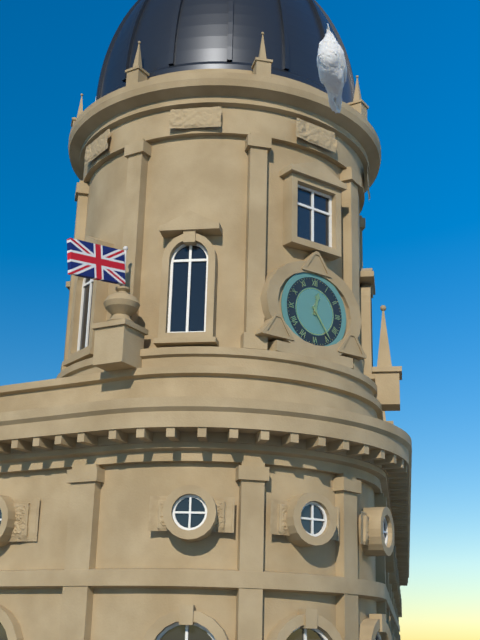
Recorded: h=12 m=24
